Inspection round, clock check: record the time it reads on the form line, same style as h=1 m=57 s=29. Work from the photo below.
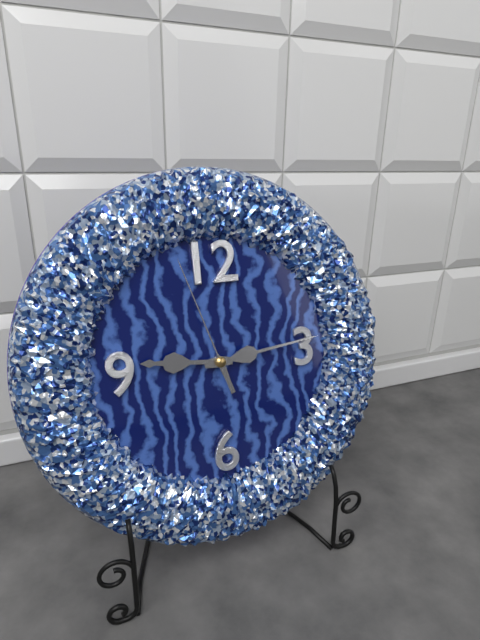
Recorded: h=9 m=14 s=57
